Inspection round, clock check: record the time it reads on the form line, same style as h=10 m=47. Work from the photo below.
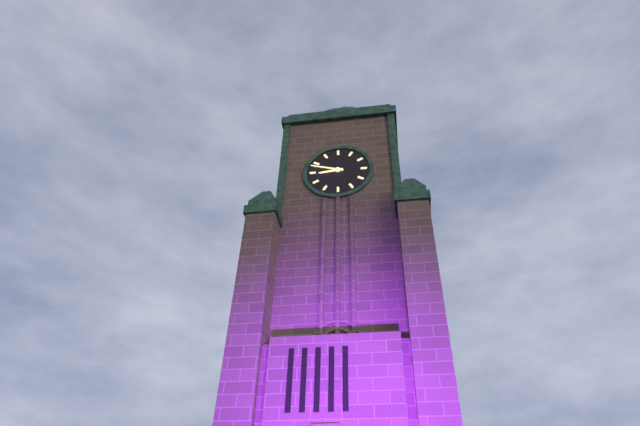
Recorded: h=8 m=48
